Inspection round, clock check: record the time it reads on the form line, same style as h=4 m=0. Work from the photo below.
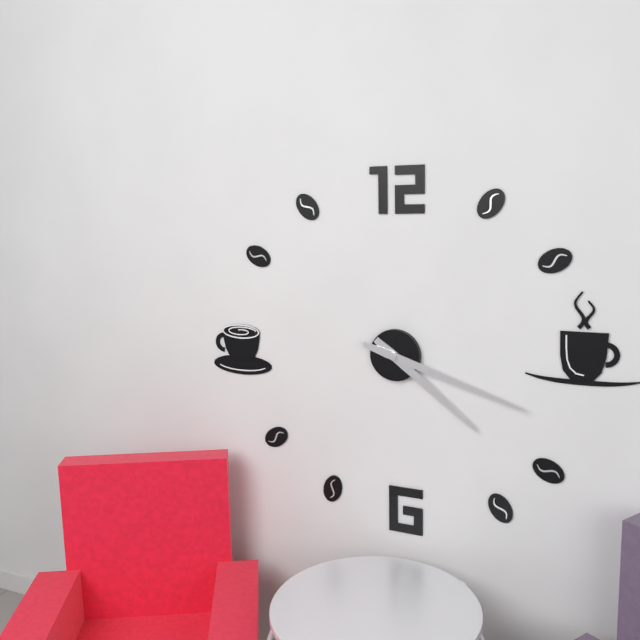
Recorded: h=4 m=18
